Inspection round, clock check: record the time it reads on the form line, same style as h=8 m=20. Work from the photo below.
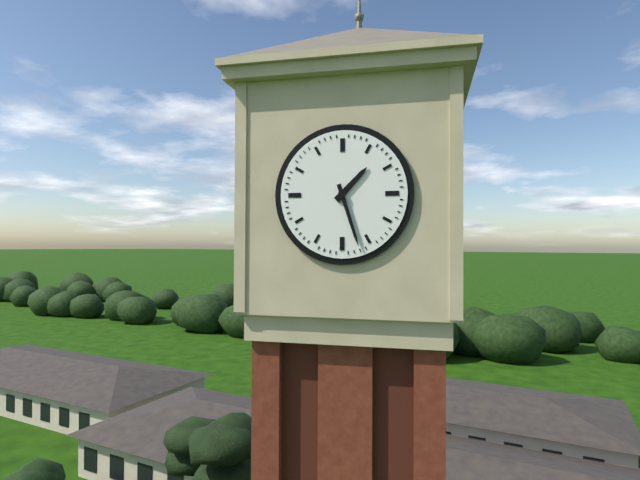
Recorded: h=1 m=27
